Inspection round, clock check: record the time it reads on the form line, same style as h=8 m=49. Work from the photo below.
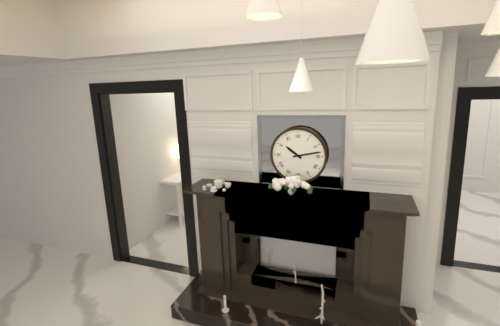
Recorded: h=10 m=13
